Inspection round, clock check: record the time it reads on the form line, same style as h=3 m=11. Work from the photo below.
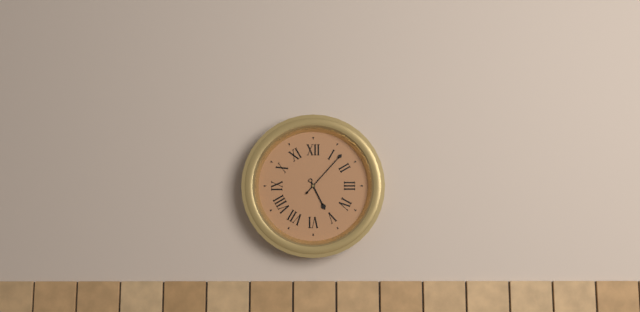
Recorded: h=5 m=7
